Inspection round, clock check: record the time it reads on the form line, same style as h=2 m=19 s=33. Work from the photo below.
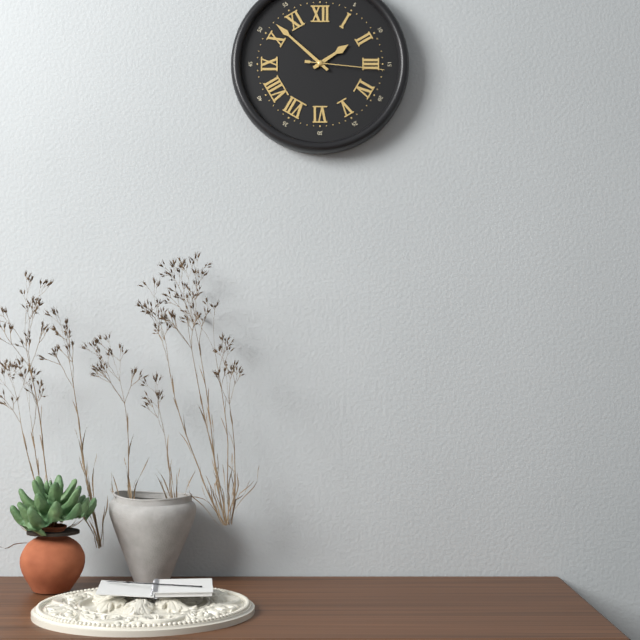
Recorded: h=1 m=52 s=16
